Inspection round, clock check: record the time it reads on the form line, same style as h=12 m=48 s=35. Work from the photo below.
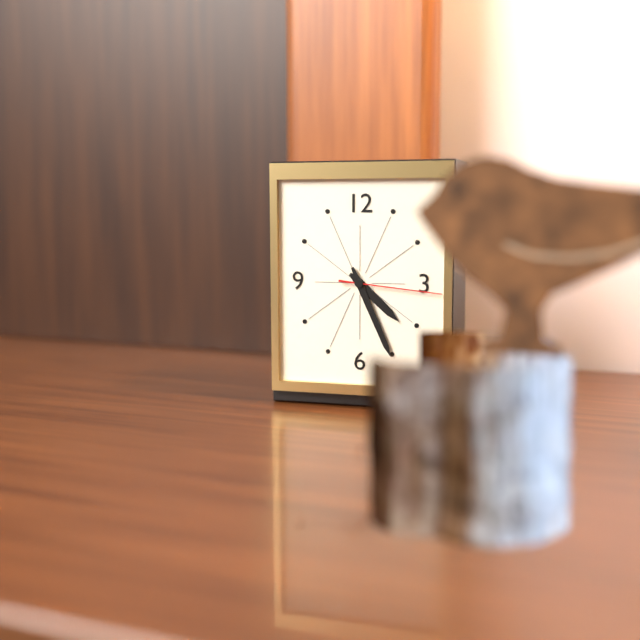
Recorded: h=4 m=26 s=16
